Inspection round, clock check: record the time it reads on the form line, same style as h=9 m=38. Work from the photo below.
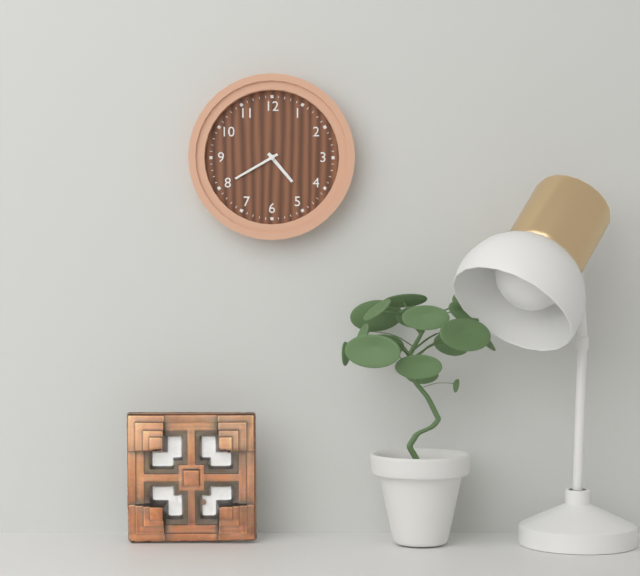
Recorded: h=4 m=40
